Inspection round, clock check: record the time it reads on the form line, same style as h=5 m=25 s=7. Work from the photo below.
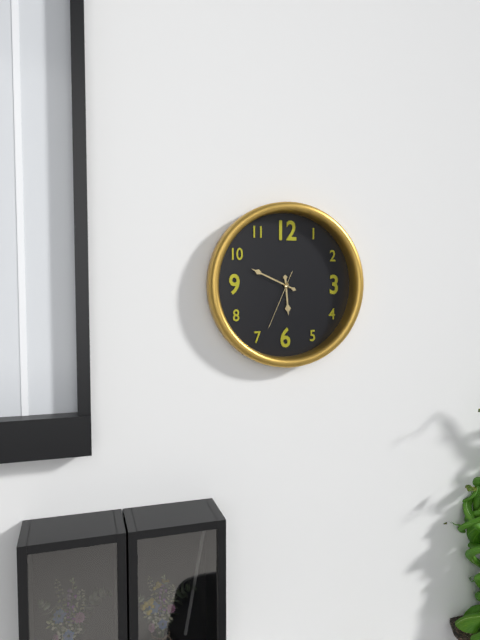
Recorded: h=5 m=49 s=34
